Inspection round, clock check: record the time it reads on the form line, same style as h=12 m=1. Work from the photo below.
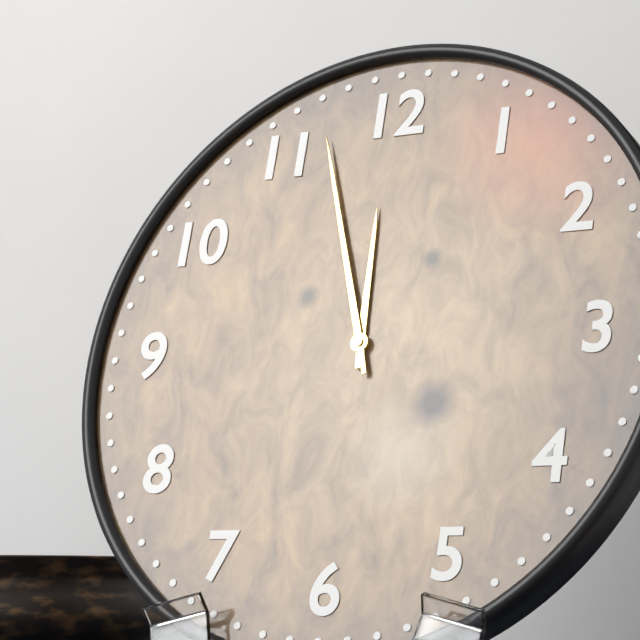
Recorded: h=11 m=57
